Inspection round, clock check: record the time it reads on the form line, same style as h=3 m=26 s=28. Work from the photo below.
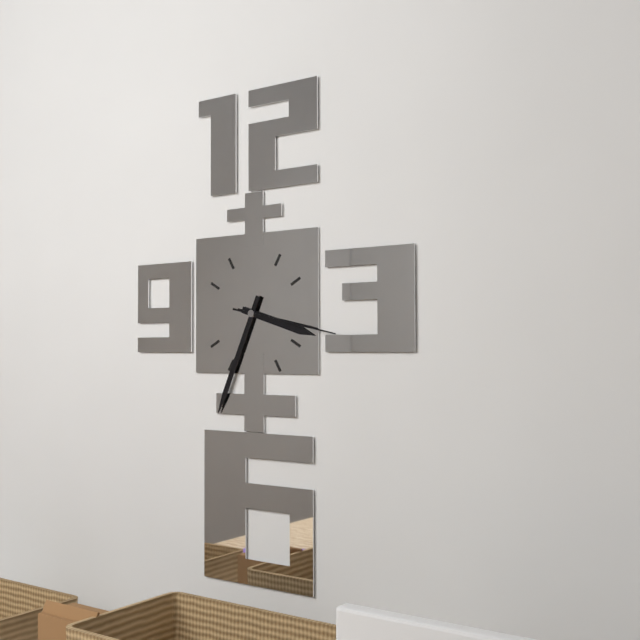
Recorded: h=3 m=34 s=17
